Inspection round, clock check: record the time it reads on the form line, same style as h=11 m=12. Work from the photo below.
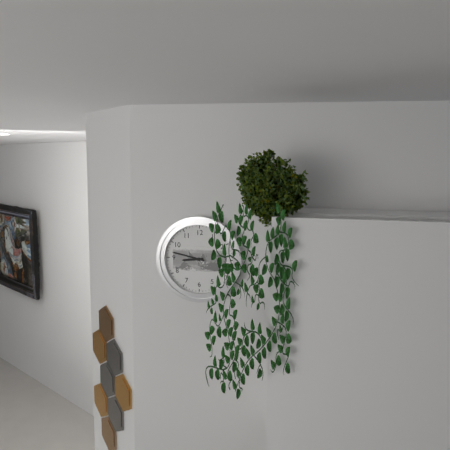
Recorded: h=8 m=47
